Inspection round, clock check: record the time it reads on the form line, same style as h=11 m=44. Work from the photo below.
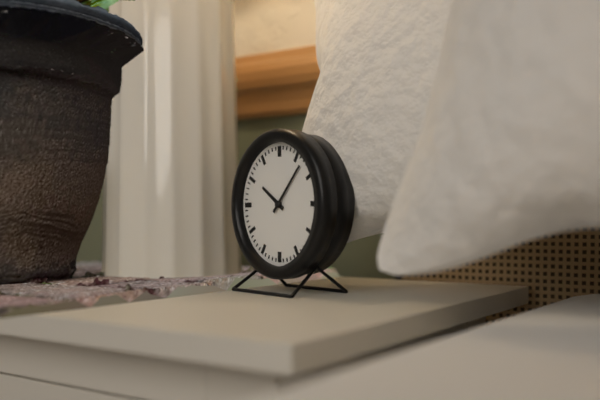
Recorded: h=10 m=7
